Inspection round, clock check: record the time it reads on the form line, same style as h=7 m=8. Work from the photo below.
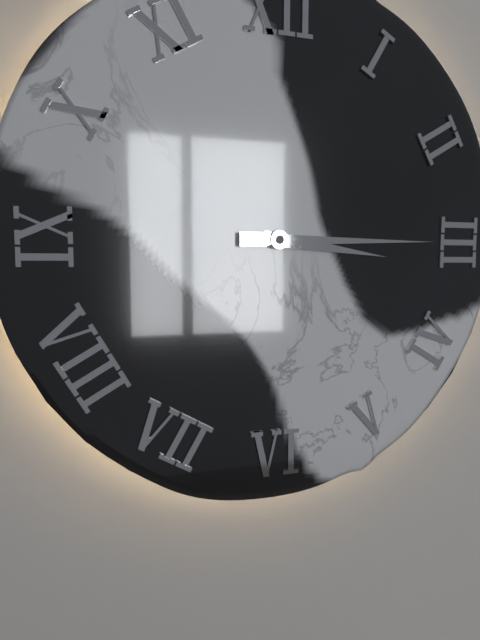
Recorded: h=3 m=15
